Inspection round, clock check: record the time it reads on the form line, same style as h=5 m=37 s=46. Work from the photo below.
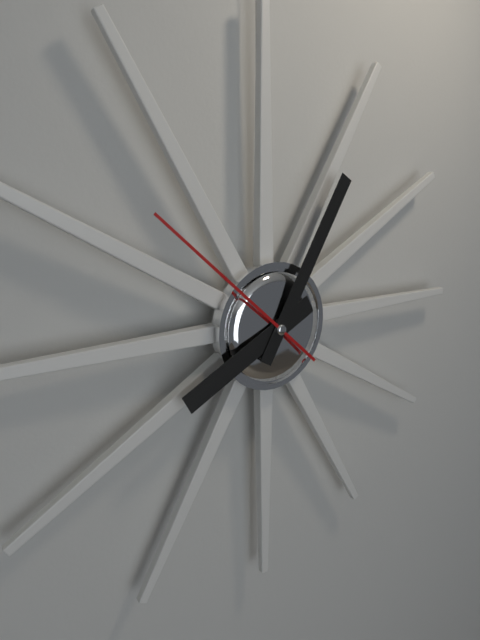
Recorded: h=8 m=5 s=52
